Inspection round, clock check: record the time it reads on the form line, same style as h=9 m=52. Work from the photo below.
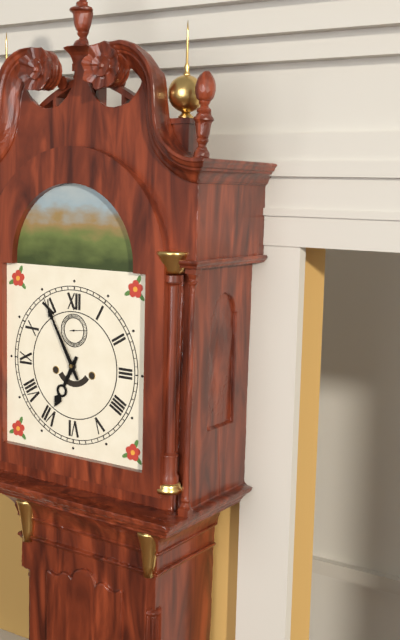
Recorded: h=6 m=55
